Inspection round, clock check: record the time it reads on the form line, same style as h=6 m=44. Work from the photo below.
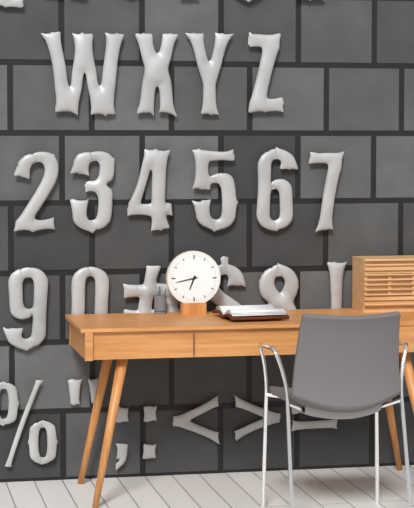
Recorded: h=6 m=43
